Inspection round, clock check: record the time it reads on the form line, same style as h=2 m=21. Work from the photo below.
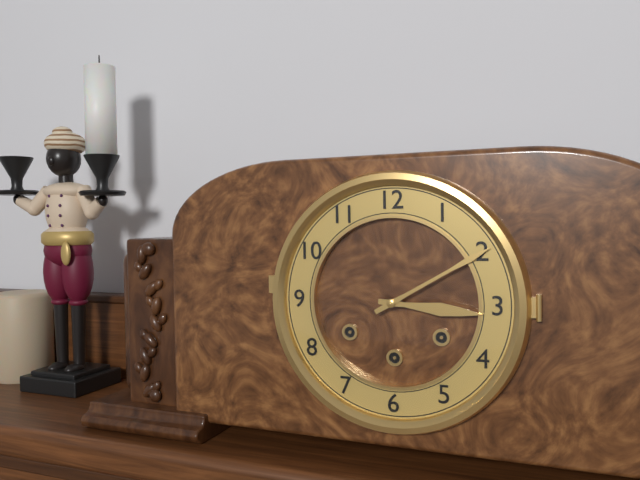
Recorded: h=3 m=10
